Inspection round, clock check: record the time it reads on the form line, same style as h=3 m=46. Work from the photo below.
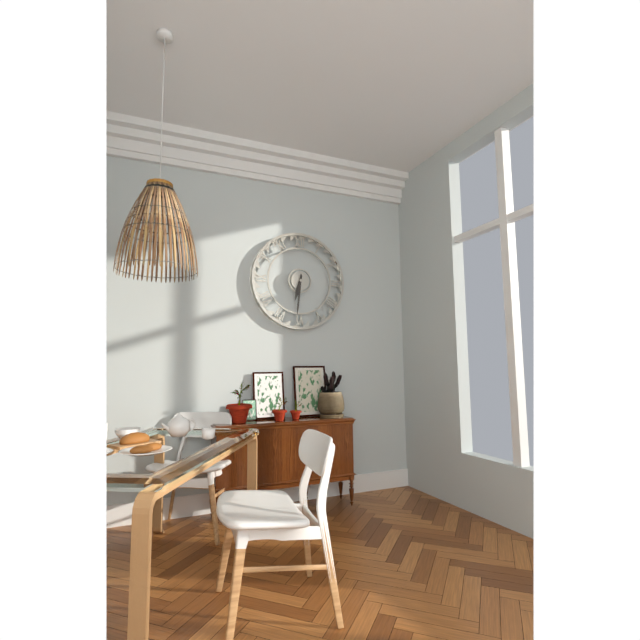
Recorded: h=6 m=31
